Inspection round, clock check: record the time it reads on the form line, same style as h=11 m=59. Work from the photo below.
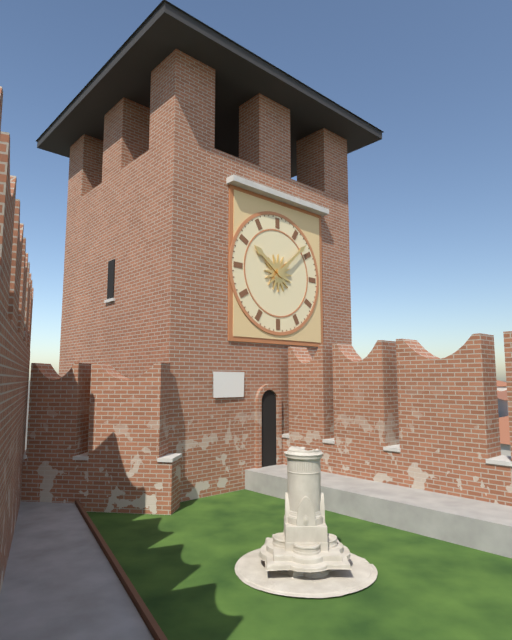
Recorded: h=10 m=8
